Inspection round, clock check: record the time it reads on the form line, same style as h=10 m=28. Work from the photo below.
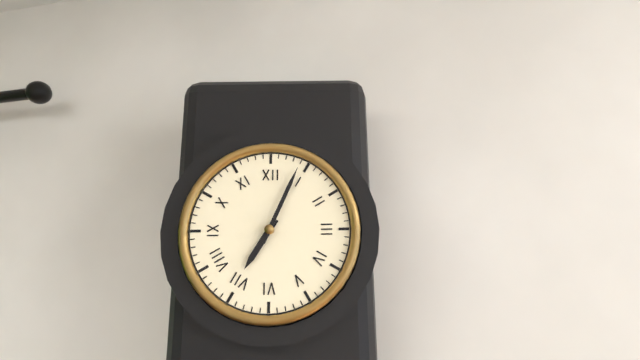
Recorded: h=7 m=4
